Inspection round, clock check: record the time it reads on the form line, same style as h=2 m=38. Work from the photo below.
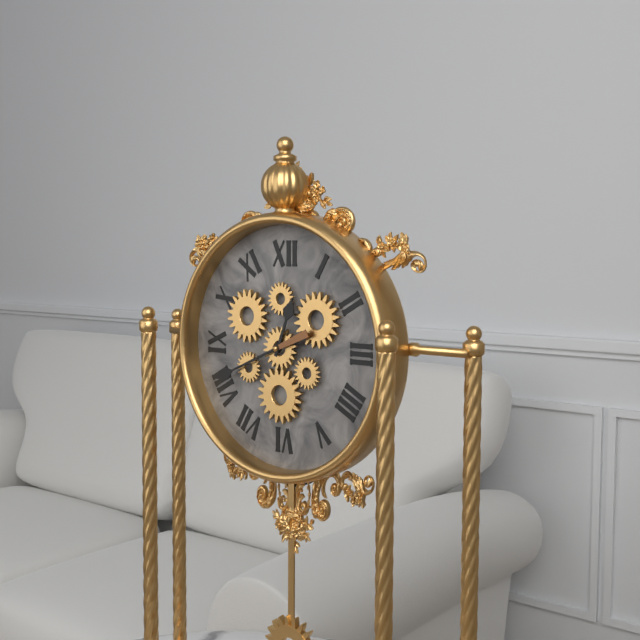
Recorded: h=12 m=41
